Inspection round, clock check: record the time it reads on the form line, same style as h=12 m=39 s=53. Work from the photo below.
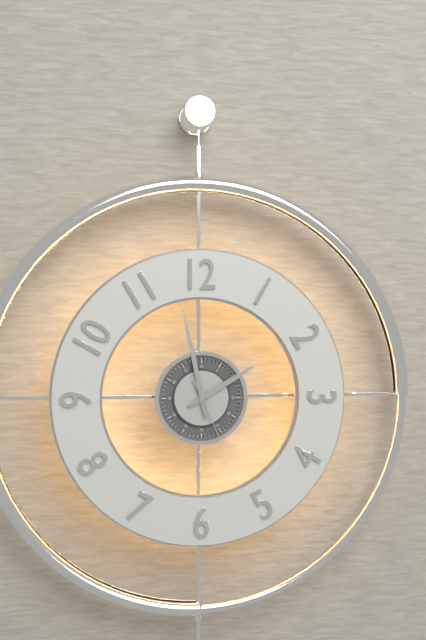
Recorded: h=1 m=58 s=26
